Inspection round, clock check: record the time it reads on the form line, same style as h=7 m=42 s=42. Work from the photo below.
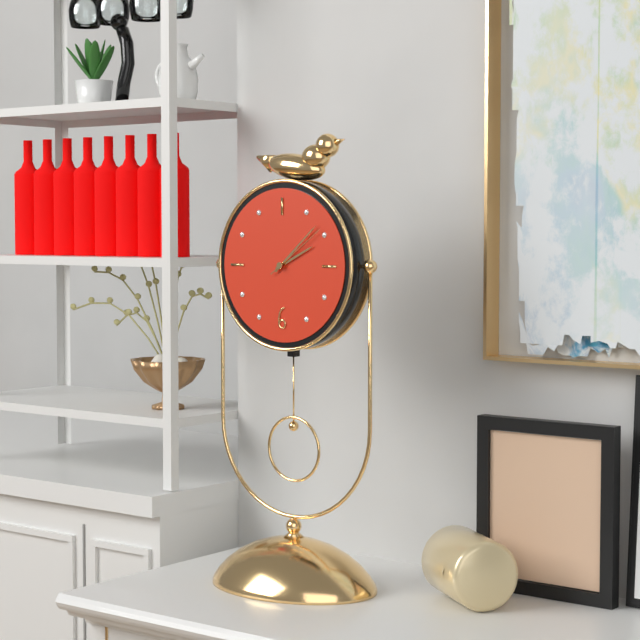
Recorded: h=2 m=8 s=9
